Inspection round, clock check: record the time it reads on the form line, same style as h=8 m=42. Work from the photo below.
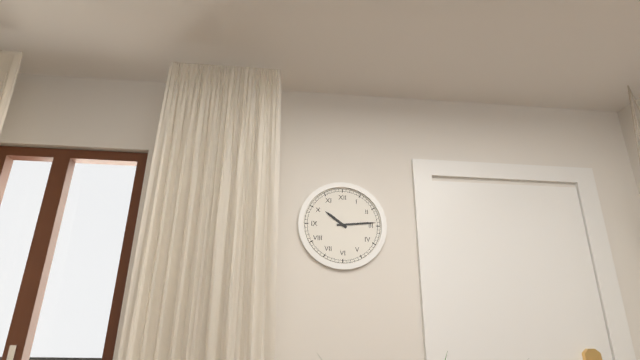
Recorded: h=10 m=14
